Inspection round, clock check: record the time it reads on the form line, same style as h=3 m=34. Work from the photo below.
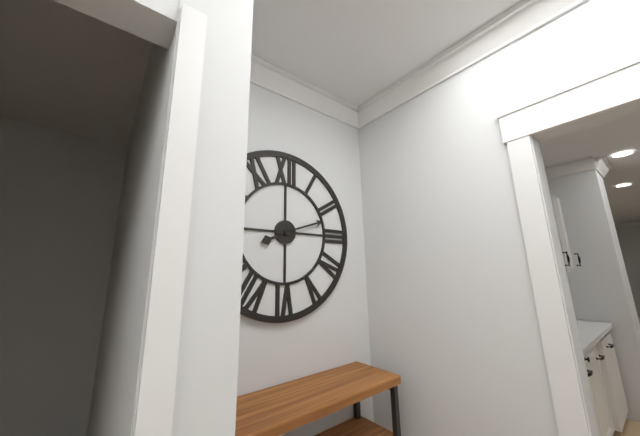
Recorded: h=8 m=12
